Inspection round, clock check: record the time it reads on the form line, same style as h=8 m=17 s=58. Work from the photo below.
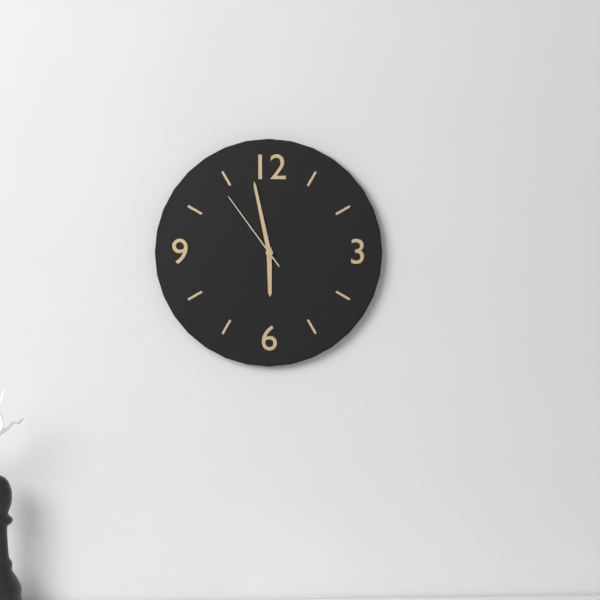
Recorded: h=5 m=58 s=54
